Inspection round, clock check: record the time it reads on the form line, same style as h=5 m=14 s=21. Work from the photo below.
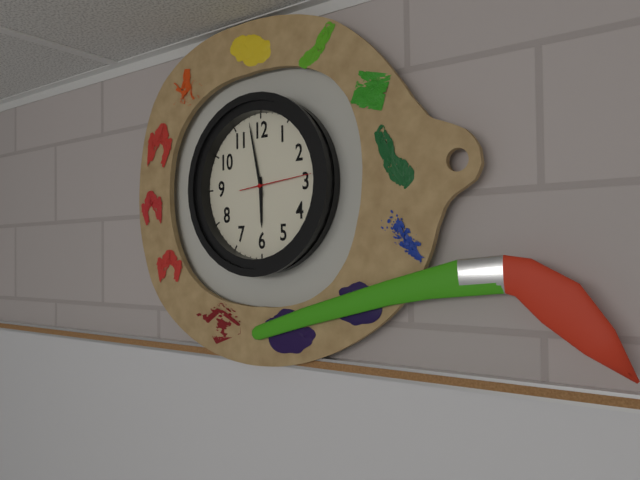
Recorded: h=5 m=58 s=14
